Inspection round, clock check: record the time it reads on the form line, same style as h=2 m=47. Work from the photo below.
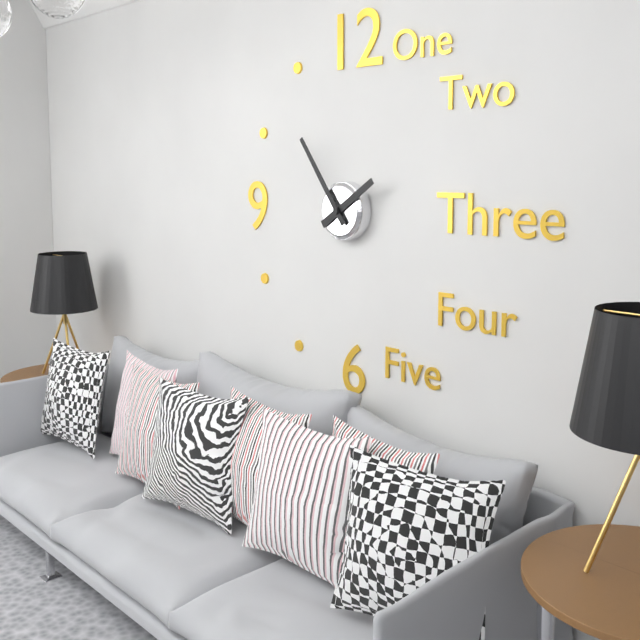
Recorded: h=1 m=54
